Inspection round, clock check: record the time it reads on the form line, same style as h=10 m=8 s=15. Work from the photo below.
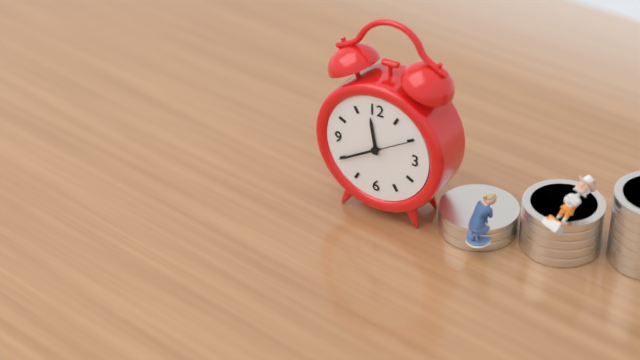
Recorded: h=11 m=40 s=10
